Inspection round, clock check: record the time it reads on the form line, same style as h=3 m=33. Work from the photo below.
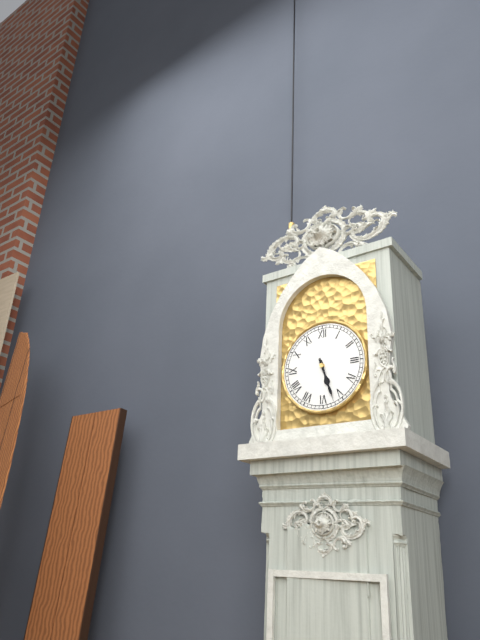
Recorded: h=5 m=27
